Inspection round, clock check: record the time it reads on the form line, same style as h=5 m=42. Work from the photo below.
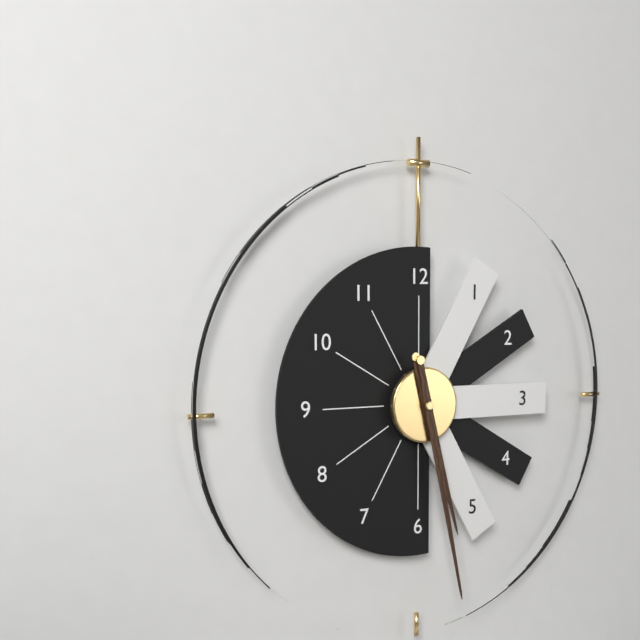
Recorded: h=5 m=28
